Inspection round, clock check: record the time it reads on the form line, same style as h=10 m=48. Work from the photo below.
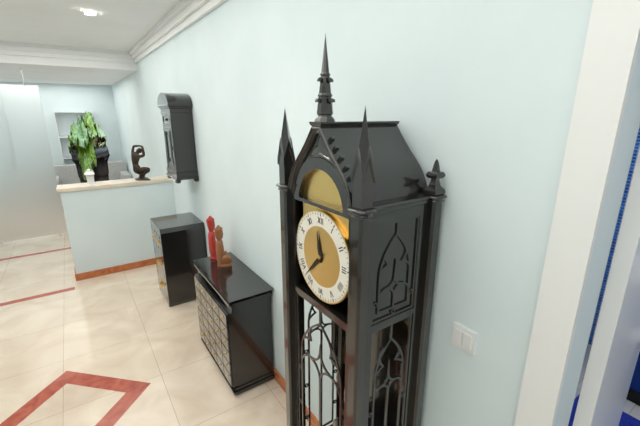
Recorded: h=11 m=37
